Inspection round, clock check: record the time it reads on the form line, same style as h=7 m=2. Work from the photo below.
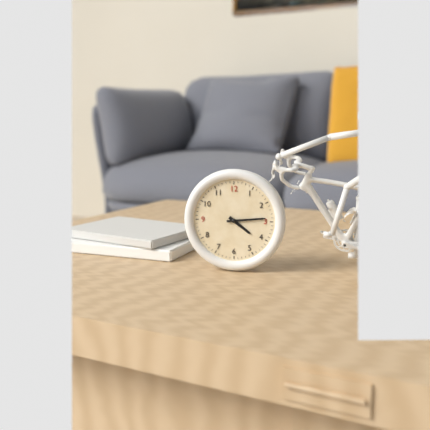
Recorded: h=4 m=14
